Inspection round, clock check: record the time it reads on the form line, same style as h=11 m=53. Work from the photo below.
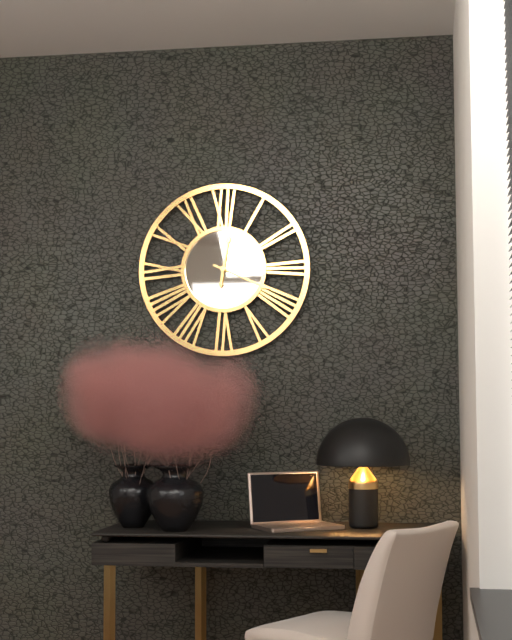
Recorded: h=12 m=19
